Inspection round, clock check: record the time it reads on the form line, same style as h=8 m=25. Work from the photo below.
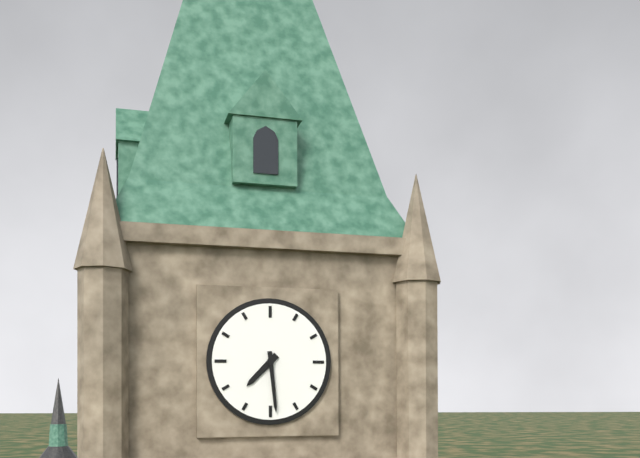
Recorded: h=7 m=29
